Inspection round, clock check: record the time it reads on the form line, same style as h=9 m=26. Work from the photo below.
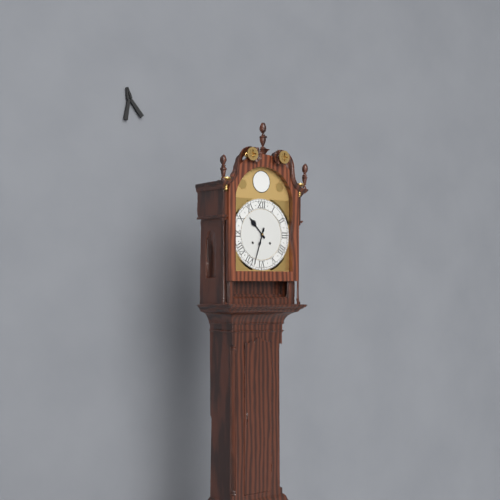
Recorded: h=10 m=33
